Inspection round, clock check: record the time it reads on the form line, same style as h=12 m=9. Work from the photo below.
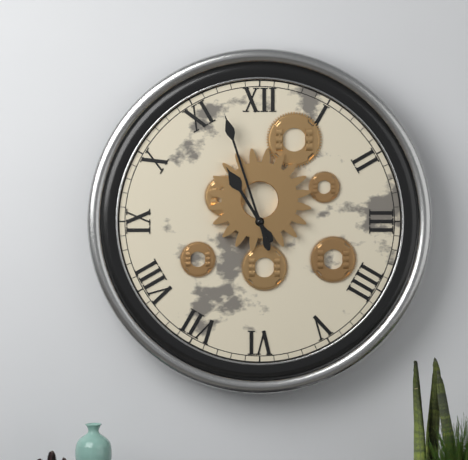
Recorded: h=10 m=57
